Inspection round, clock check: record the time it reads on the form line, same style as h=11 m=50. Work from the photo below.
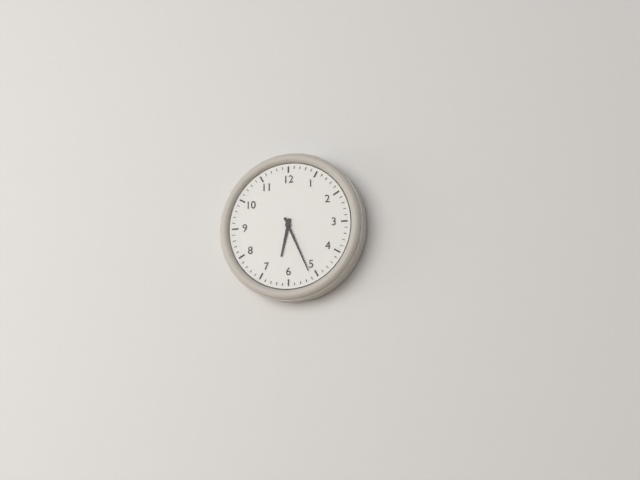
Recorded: h=6 m=26
